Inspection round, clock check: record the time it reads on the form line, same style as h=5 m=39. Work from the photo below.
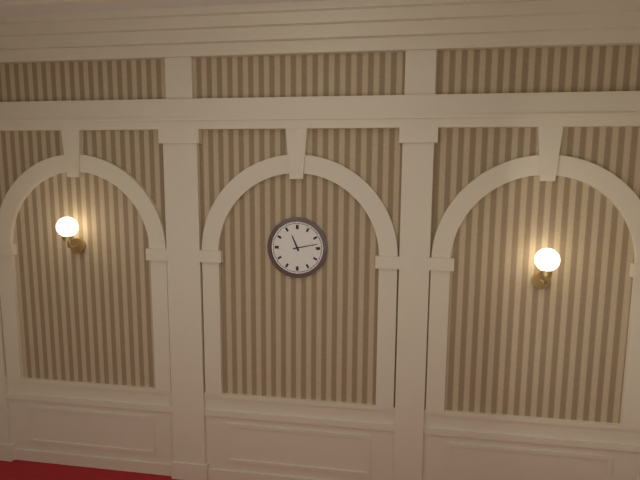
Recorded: h=11 m=13
